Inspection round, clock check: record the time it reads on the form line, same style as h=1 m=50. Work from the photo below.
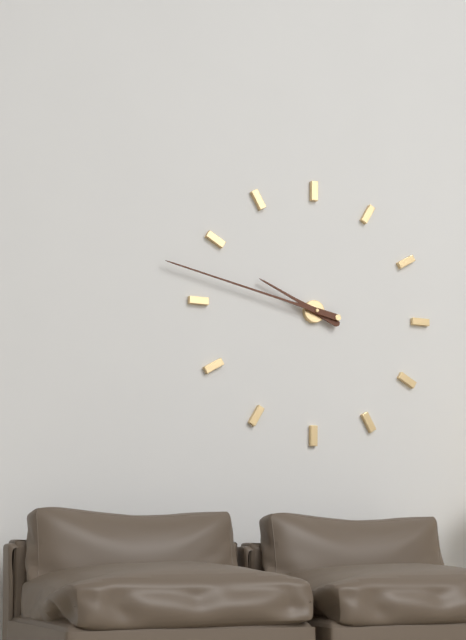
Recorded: h=9 m=47
